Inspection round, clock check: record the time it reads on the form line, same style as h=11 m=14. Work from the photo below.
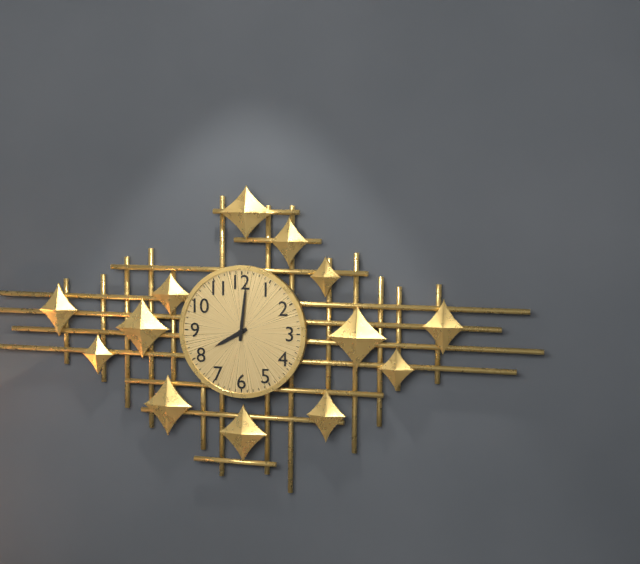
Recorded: h=8 m=1
